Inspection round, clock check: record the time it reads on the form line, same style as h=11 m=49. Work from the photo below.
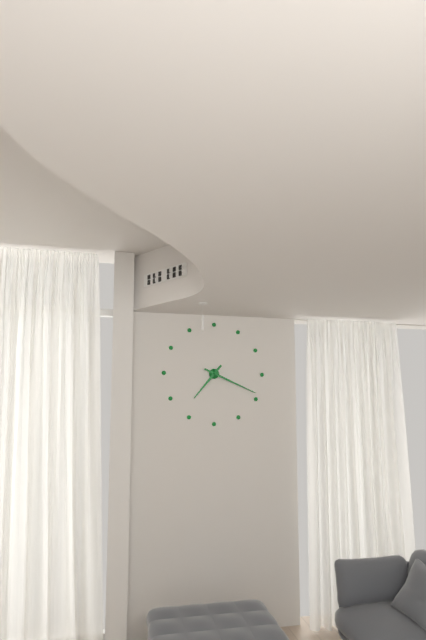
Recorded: h=7 m=19
